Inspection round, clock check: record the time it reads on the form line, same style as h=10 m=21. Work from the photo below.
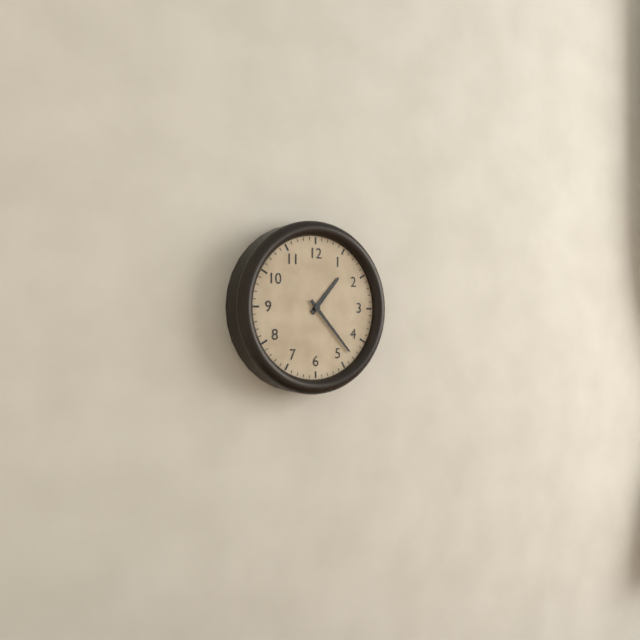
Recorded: h=1 m=23
